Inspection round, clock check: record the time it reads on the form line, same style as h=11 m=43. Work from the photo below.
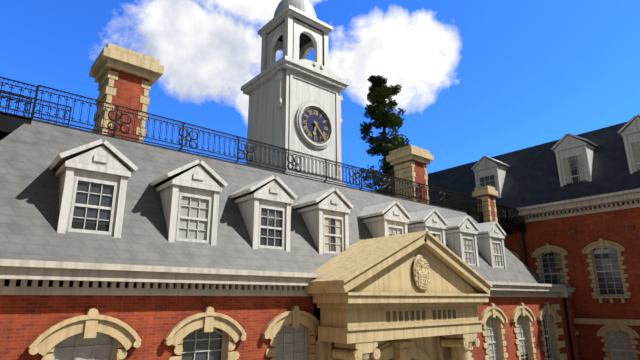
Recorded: h=6 m=23
